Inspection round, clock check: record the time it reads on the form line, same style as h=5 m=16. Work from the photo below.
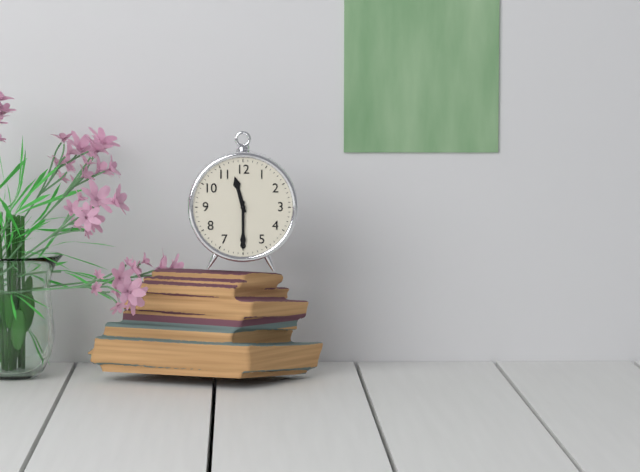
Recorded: h=11 m=30
